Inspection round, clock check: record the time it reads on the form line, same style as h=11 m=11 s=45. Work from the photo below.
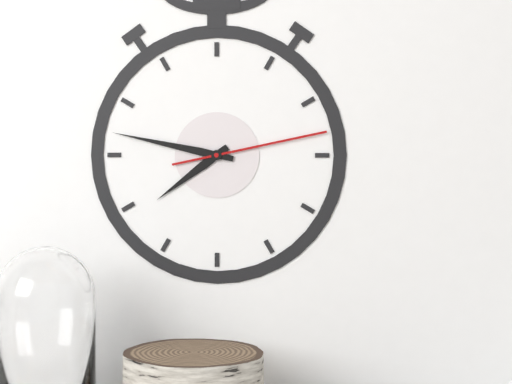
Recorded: h=7 m=47 s=13
